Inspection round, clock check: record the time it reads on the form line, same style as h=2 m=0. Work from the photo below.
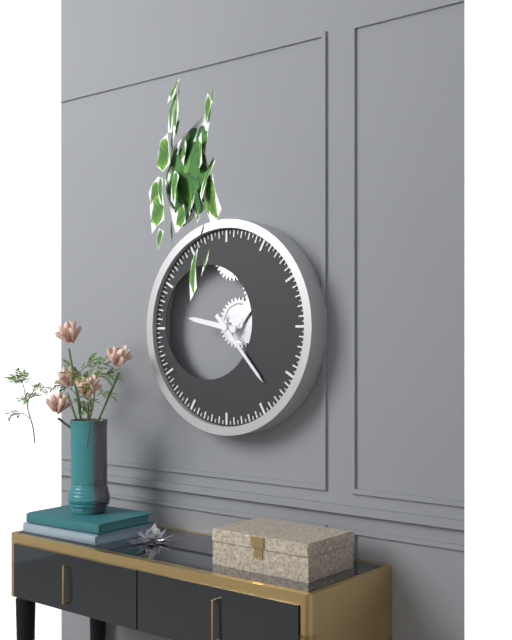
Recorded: h=9 m=23
